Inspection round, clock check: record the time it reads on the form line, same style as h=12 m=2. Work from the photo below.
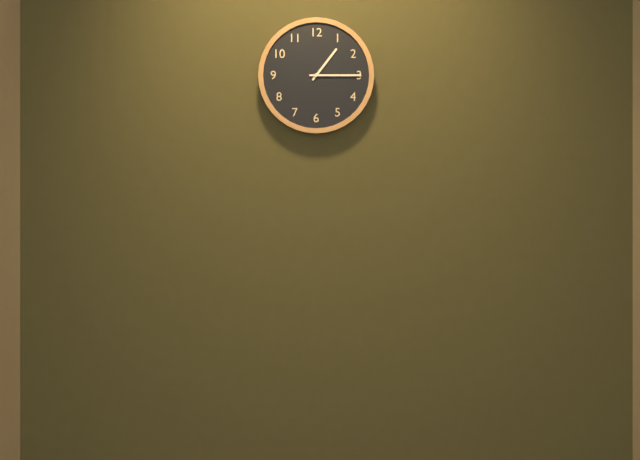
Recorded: h=1 m=15
